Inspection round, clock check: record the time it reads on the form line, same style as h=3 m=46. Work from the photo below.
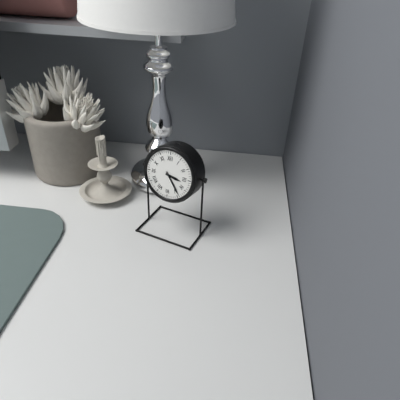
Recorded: h=3 m=24
